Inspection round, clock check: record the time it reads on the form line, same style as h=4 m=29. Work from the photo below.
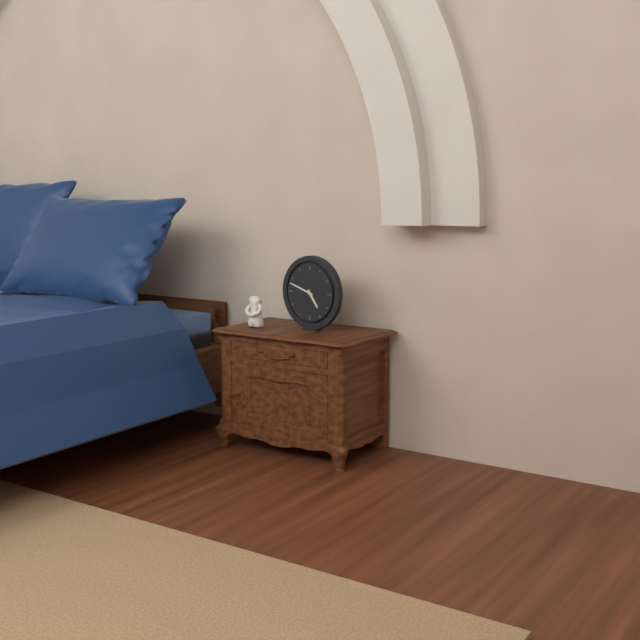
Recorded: h=4 m=48
